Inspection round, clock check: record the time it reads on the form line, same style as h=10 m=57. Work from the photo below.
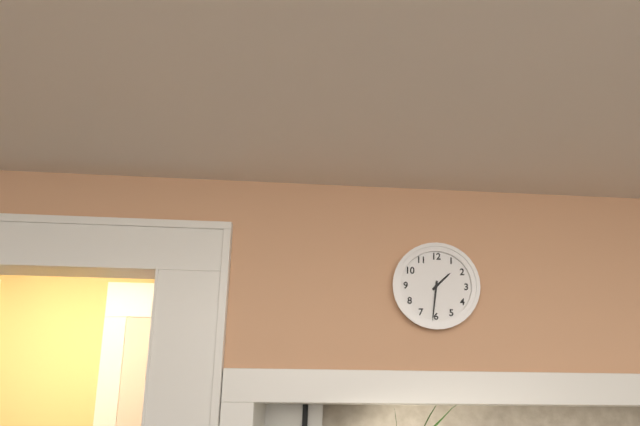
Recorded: h=1 m=31
